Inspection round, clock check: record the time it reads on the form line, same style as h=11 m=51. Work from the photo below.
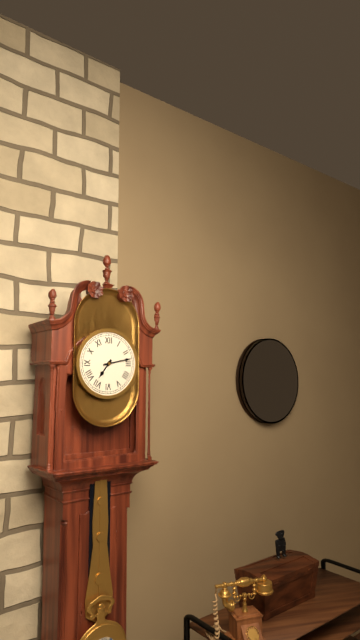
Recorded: h=7 m=13
